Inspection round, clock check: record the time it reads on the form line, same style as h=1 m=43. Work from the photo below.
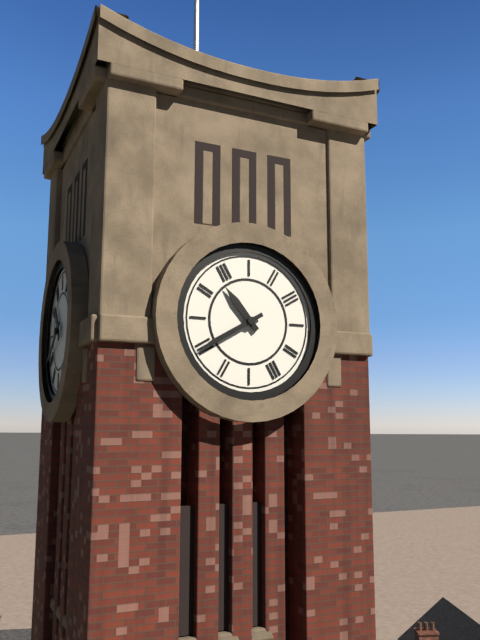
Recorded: h=10 m=40
